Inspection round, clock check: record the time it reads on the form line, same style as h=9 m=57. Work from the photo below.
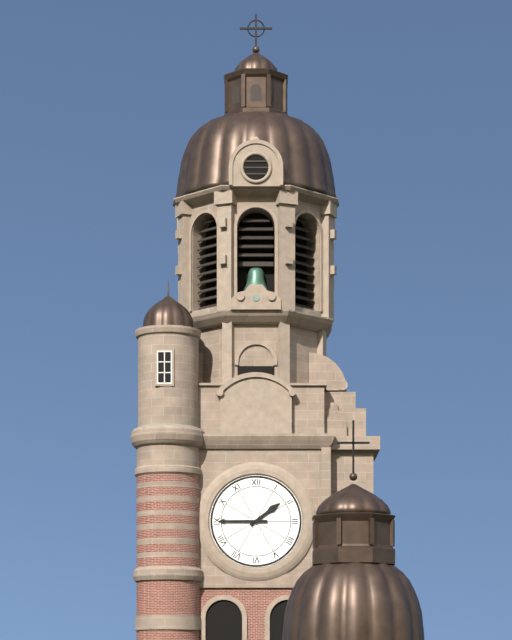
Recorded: h=1 m=45
